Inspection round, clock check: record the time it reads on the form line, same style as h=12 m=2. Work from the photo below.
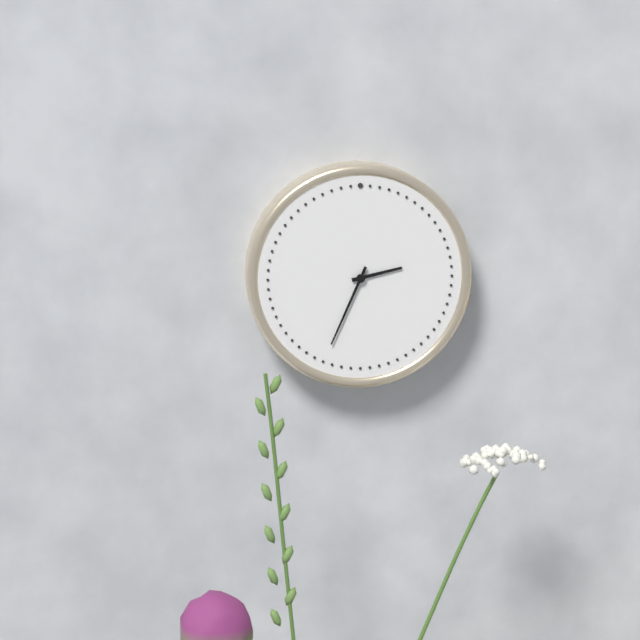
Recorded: h=2 m=34
